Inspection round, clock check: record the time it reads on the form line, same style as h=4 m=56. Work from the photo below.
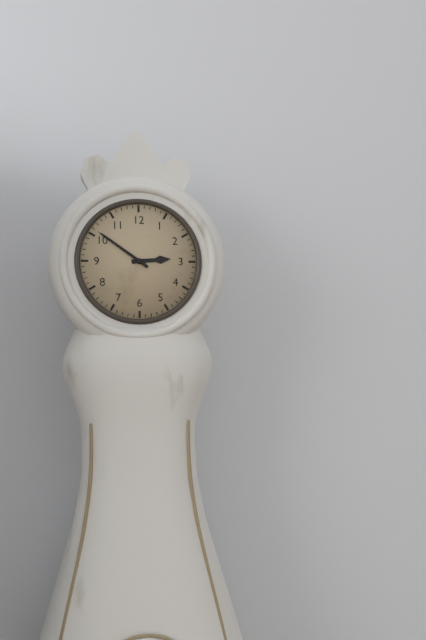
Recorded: h=2 m=51
